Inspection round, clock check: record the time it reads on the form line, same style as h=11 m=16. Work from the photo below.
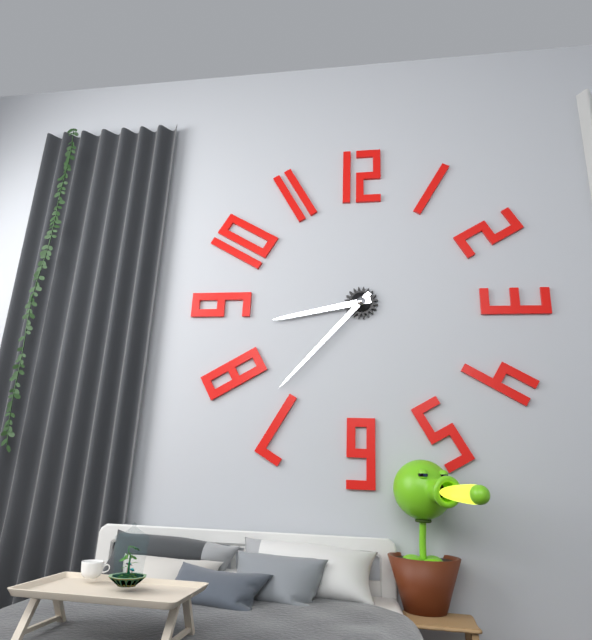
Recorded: h=8 m=37
